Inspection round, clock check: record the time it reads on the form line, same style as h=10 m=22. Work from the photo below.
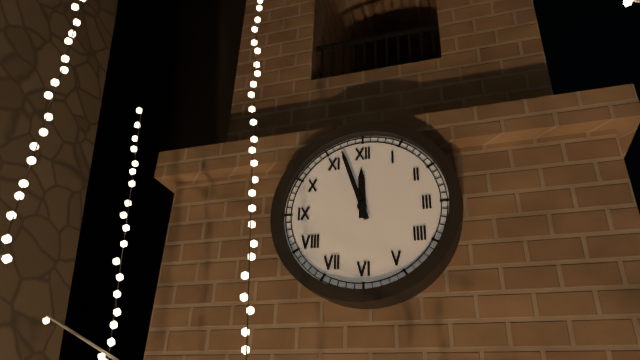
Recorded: h=11 m=57
